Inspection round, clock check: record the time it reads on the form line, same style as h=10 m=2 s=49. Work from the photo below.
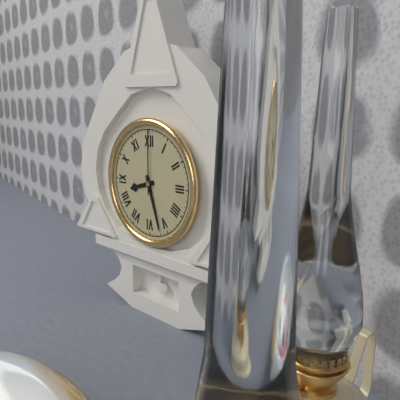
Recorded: h=8 m=27 s=0
